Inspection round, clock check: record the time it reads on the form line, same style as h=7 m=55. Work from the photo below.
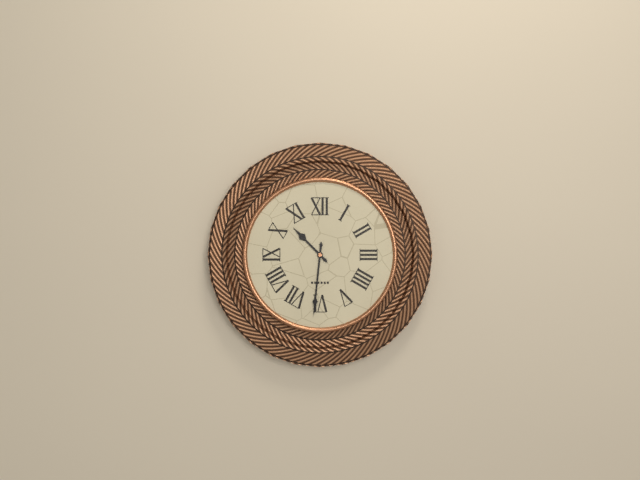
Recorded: h=10 m=31
